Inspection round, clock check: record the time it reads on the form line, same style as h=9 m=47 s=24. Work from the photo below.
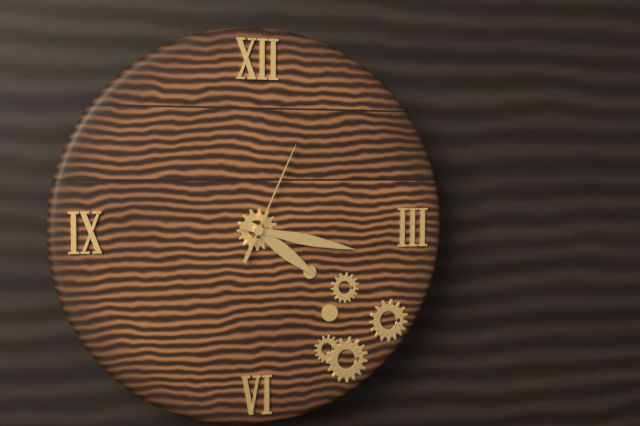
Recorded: h=4 m=17 s=4
